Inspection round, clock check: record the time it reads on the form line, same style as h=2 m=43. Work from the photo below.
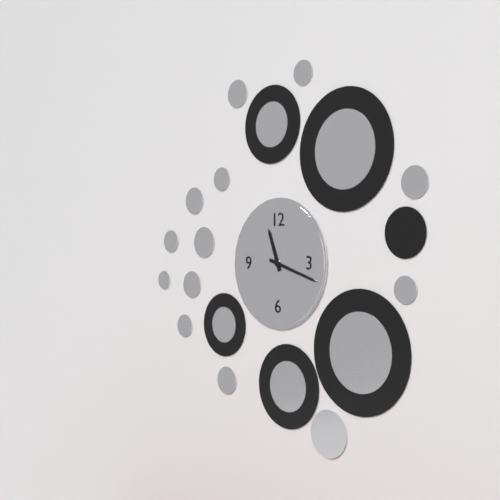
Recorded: h=11 m=18
